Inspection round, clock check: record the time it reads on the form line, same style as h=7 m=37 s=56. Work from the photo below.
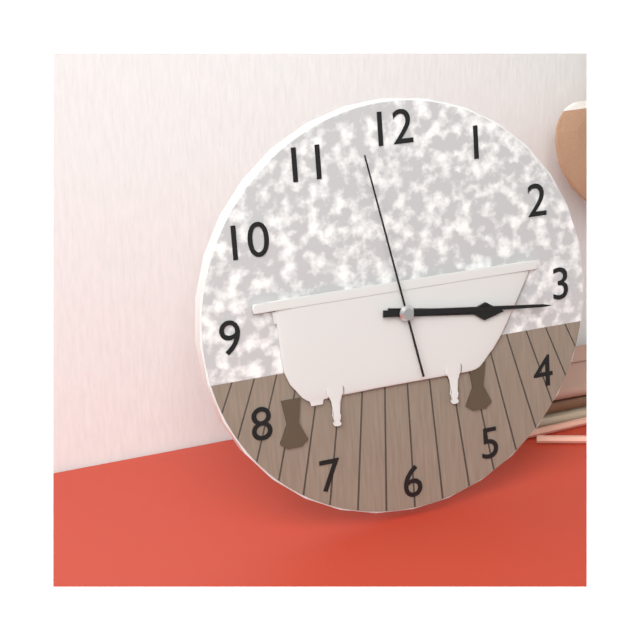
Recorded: h=3 m=16 s=58
